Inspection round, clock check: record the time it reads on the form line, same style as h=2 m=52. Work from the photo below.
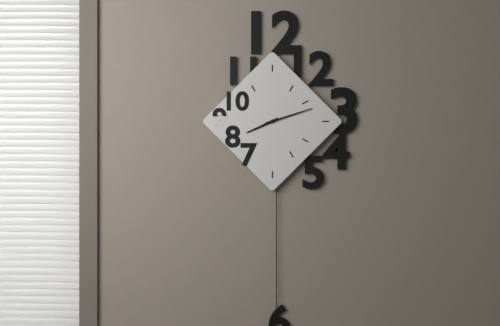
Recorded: h=8 m=12
